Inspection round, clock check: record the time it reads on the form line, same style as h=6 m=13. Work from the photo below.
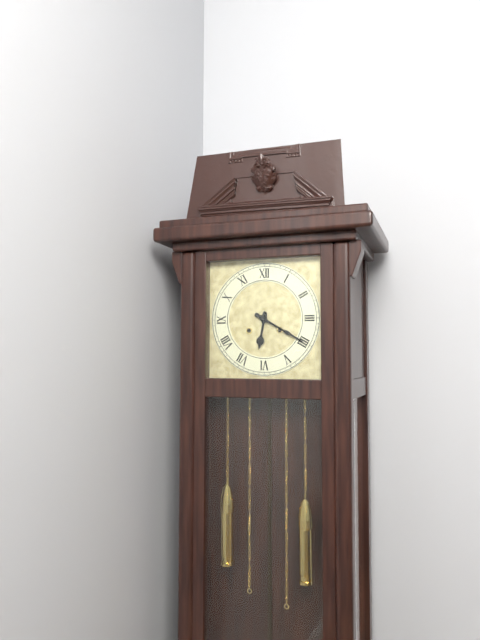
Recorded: h=6 m=20
